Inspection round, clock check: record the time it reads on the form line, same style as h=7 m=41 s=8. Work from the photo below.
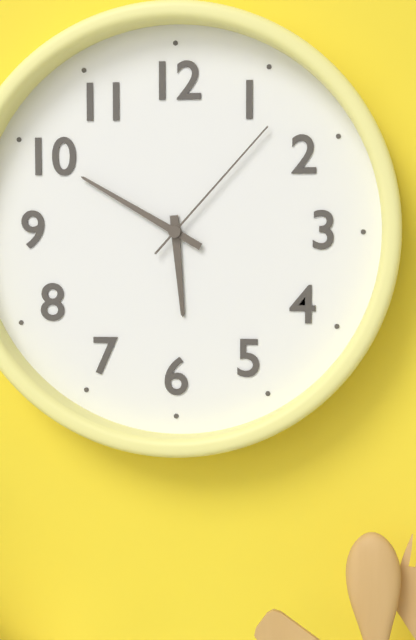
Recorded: h=5 m=50 s=7
